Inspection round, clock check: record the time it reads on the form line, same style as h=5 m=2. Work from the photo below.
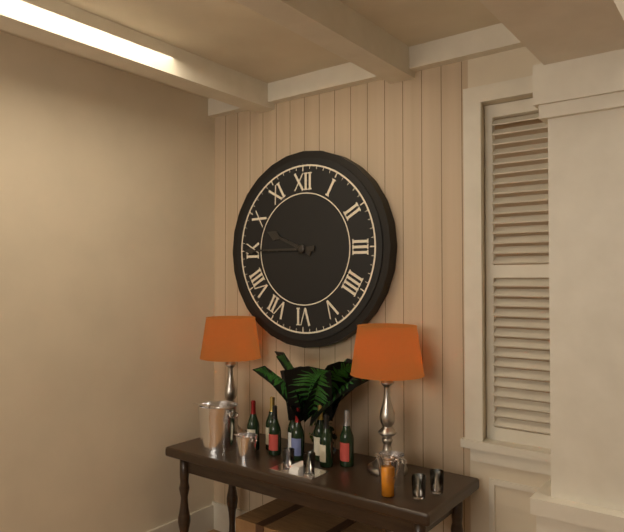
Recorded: h=9 m=45
